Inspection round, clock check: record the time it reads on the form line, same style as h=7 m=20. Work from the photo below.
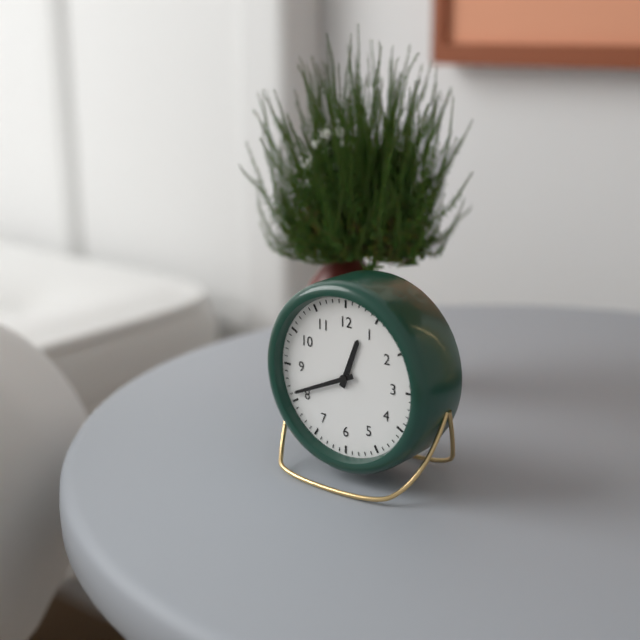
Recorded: h=12 m=41
